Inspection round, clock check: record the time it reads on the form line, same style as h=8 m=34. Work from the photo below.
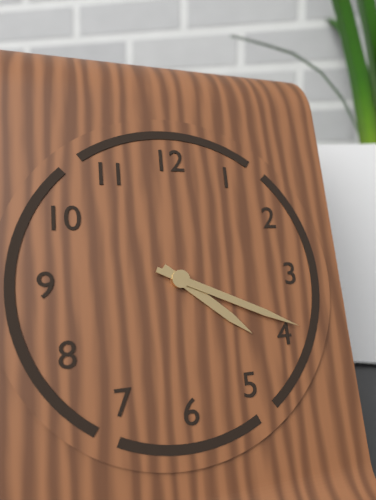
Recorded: h=4 m=19
